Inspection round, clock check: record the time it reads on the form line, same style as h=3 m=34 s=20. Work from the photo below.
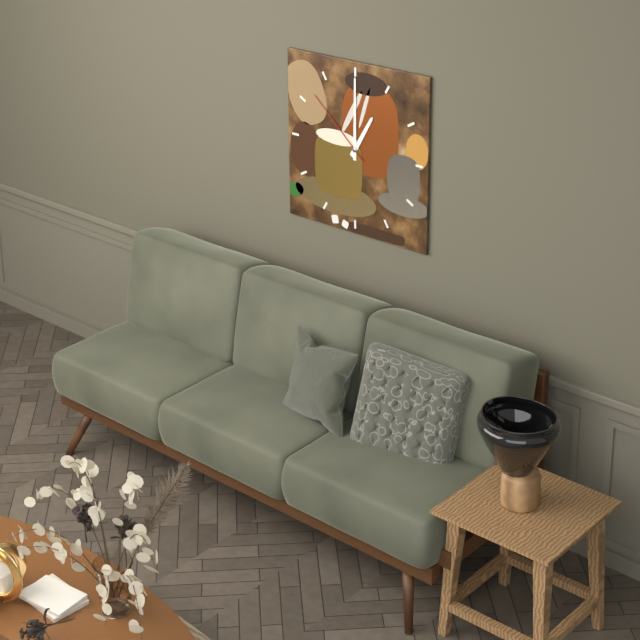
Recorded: h=1 m=0 s=52
